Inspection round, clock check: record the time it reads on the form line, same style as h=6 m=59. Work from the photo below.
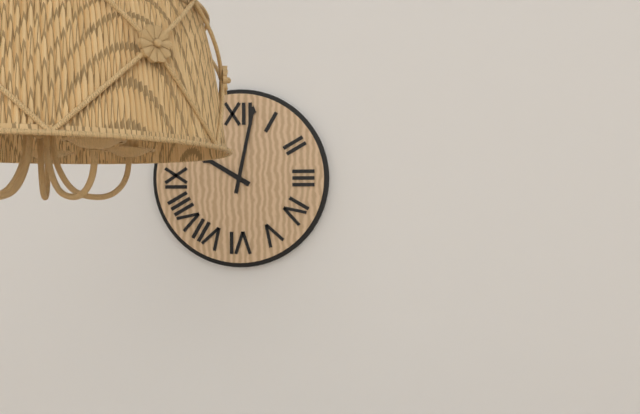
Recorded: h=10 m=2
